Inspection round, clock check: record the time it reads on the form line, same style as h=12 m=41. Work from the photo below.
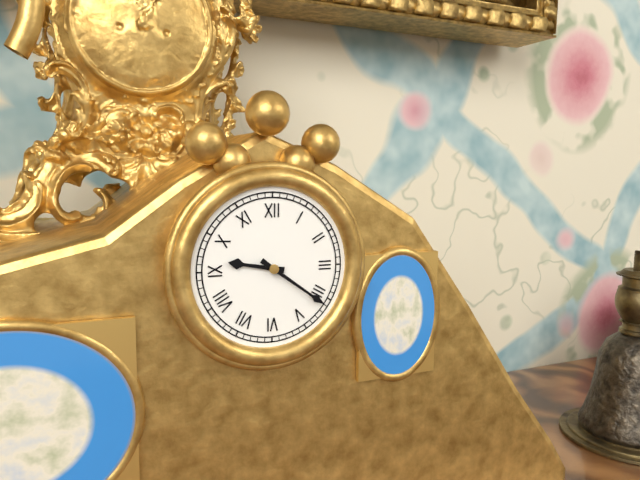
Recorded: h=9 m=21
